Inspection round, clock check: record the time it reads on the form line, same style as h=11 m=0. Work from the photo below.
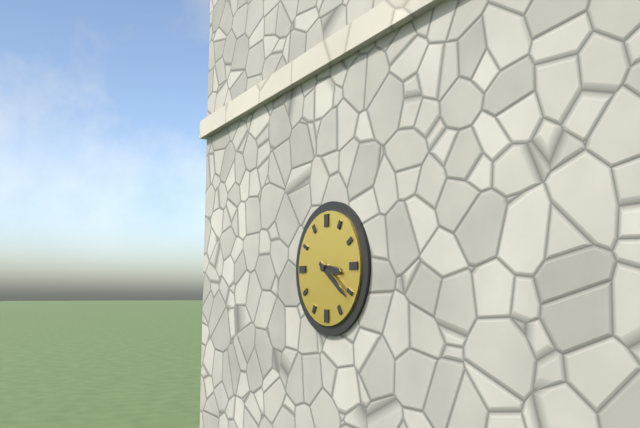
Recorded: h=3 m=21
